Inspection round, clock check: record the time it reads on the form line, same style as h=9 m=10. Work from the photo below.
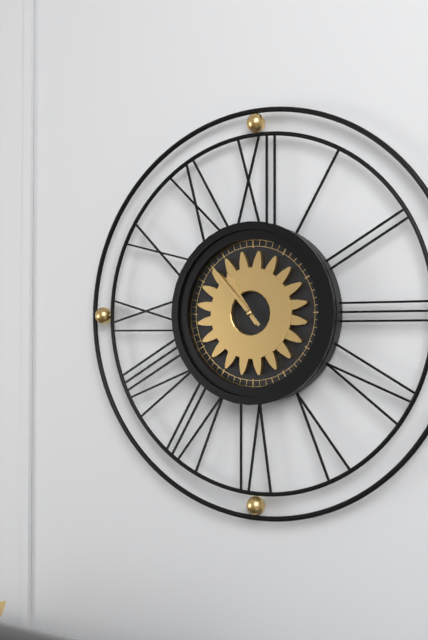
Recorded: h=10 m=53
